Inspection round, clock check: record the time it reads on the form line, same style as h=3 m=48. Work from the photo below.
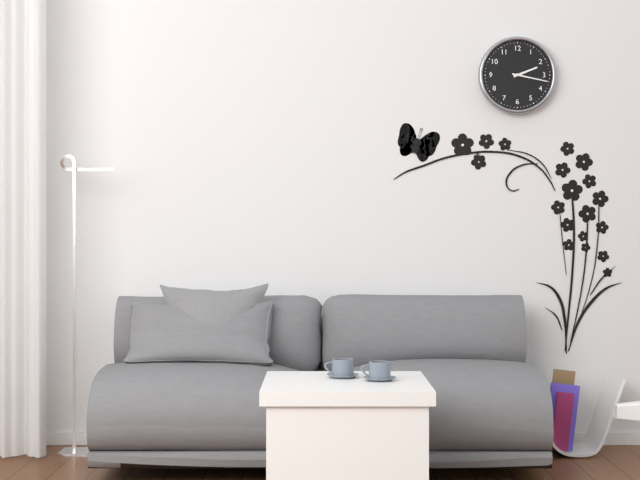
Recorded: h=2 m=17
